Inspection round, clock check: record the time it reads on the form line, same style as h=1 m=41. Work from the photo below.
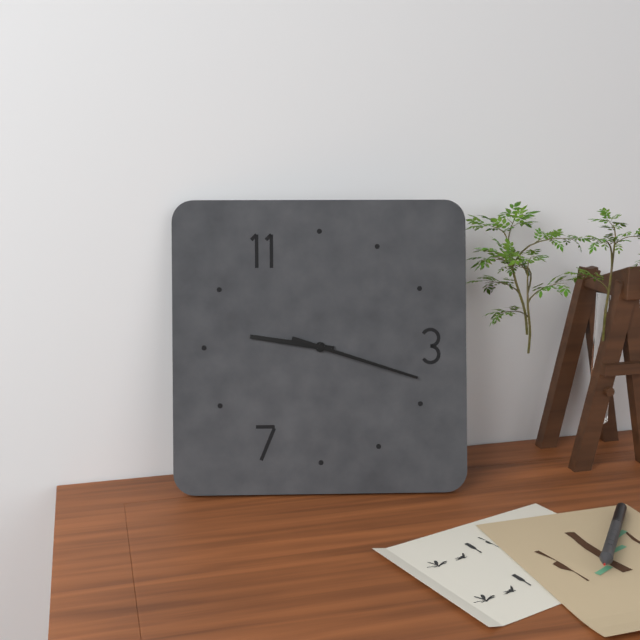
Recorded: h=9 m=18
